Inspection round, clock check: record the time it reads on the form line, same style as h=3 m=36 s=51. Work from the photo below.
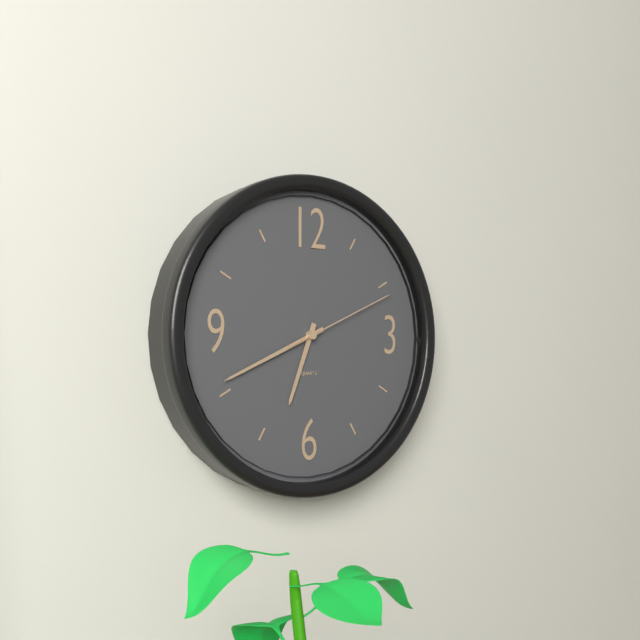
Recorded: h=6 m=41 s=11
